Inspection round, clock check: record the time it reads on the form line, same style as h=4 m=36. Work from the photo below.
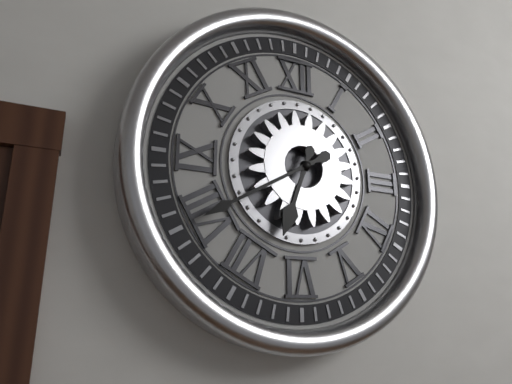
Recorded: h=6 m=40
